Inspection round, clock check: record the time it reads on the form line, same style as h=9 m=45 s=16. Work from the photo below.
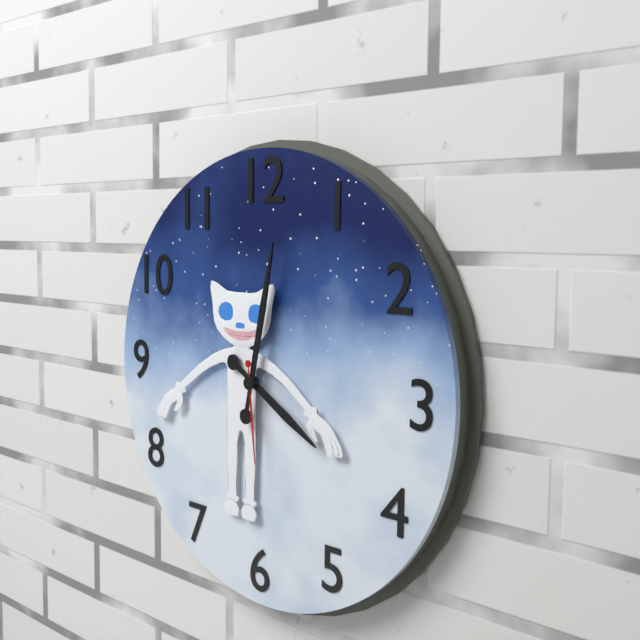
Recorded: h=4 m=2 s=29
